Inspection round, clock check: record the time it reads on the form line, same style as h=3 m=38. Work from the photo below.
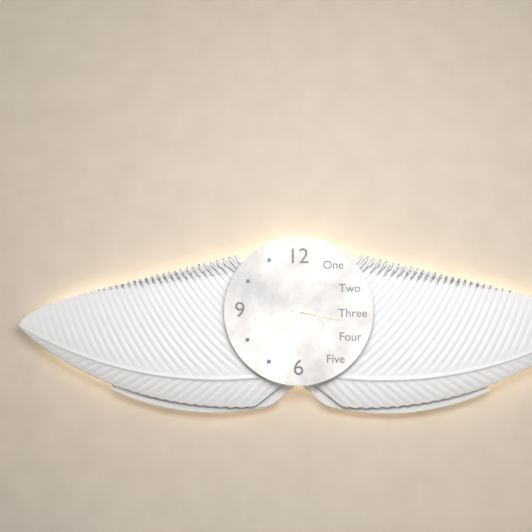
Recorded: h=7 m=17
